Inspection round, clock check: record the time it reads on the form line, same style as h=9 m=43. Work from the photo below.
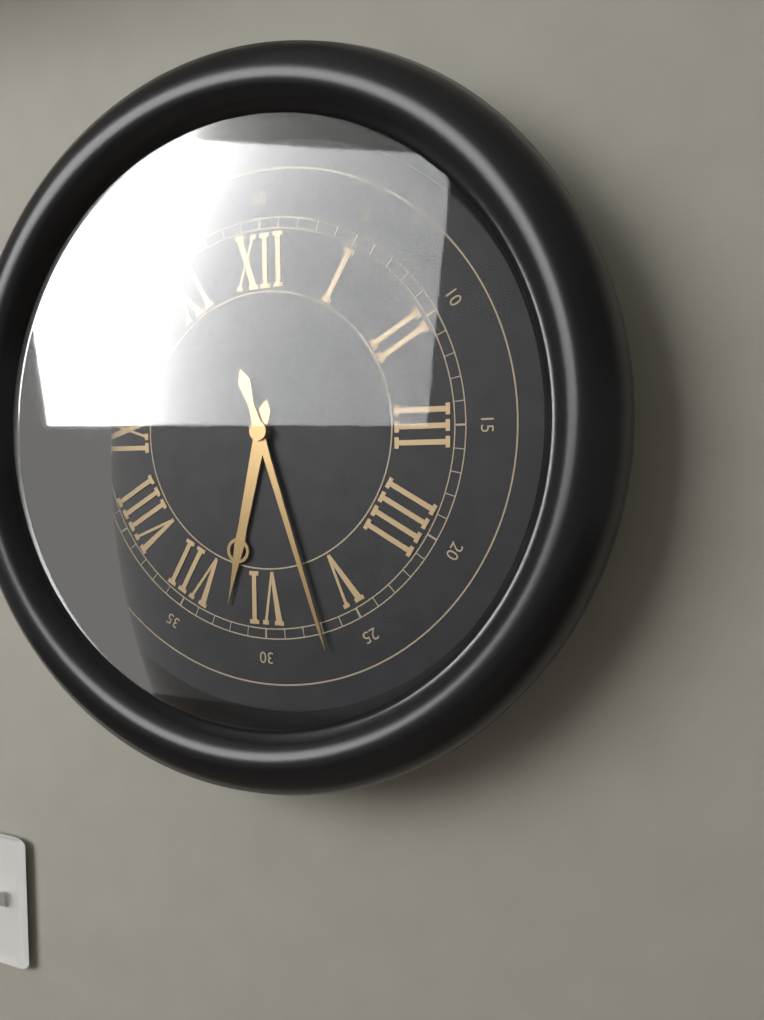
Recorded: h=6 m=27
